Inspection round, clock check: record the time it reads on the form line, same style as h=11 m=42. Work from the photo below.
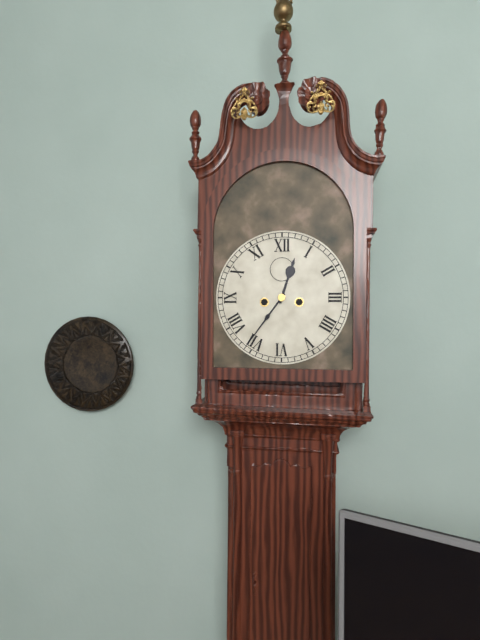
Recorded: h=12 m=36
